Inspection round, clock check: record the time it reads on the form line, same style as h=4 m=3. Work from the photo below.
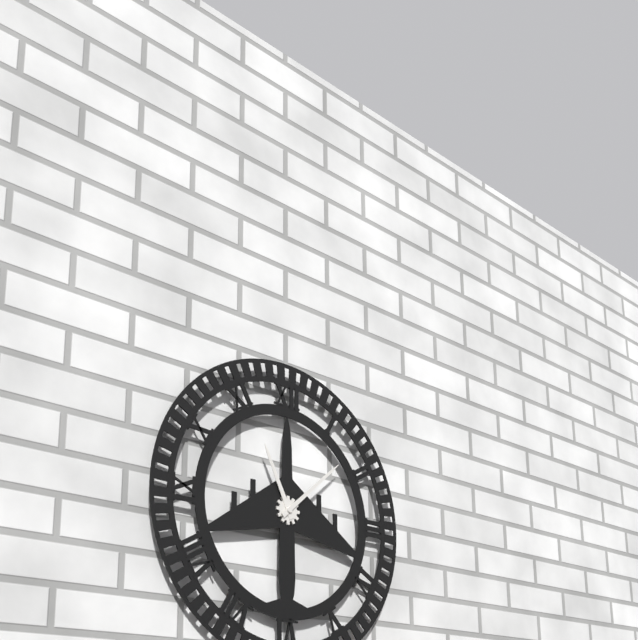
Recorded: h=11 m=8
